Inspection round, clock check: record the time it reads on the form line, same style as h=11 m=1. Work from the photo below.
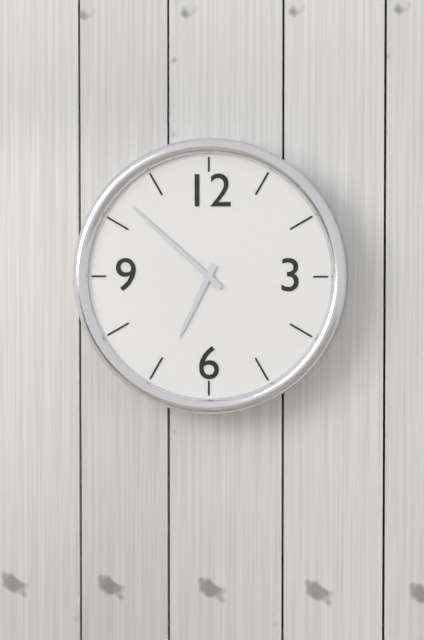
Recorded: h=6 m=52
